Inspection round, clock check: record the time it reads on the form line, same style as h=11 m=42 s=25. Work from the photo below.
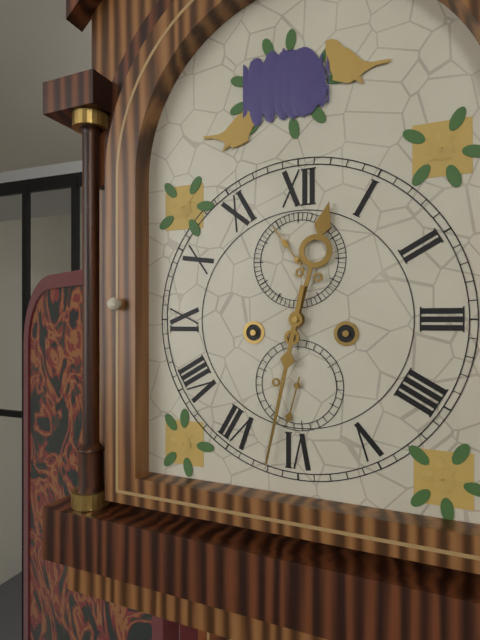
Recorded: h=12 m=32 s=54
